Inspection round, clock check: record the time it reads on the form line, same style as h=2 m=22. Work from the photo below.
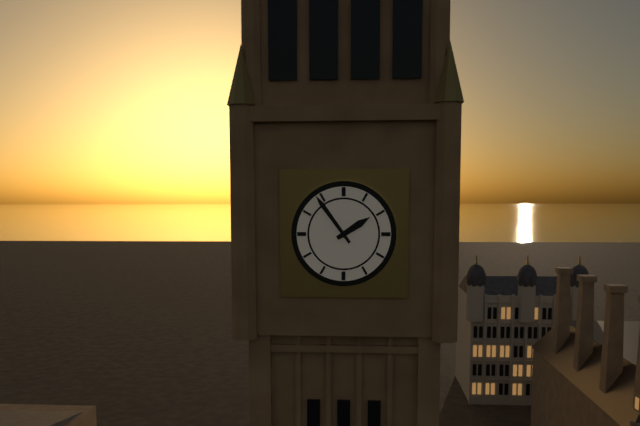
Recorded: h=1 m=54
